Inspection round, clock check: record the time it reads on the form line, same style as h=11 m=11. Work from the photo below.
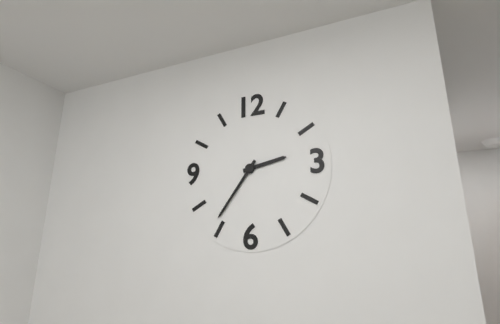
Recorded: h=2 m=36
